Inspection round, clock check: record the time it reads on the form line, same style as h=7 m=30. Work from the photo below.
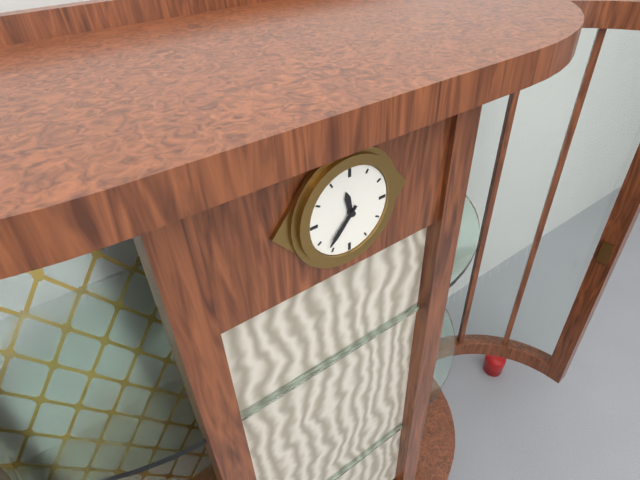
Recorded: h=11 m=37
